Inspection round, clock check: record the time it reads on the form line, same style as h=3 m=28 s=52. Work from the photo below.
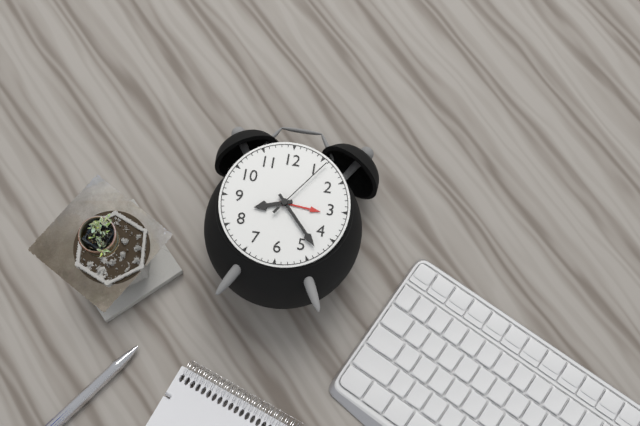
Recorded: h=8 m=23 s=6
